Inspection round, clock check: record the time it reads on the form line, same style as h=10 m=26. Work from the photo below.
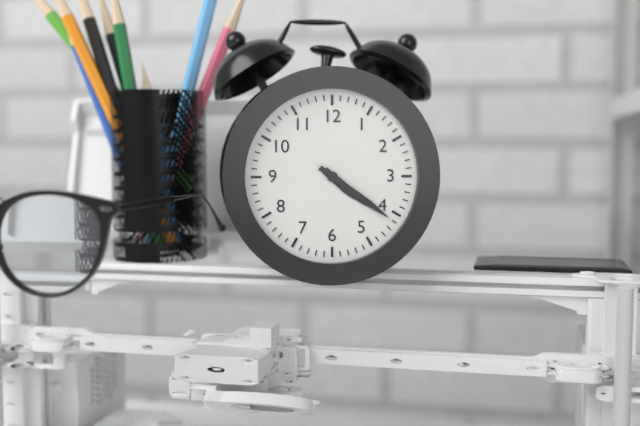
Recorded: h=4 m=21
